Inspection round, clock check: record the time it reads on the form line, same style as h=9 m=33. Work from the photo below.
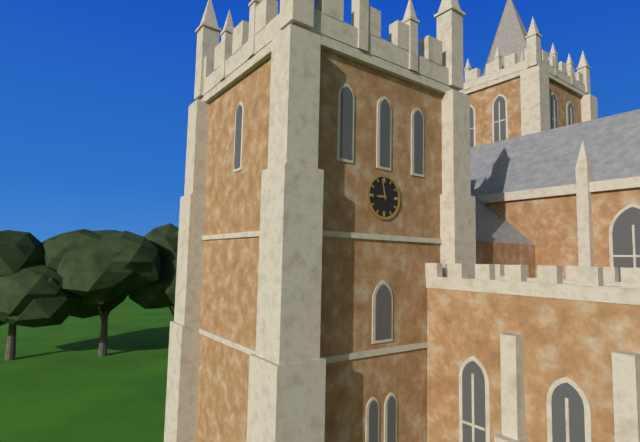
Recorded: h=8 m=58
